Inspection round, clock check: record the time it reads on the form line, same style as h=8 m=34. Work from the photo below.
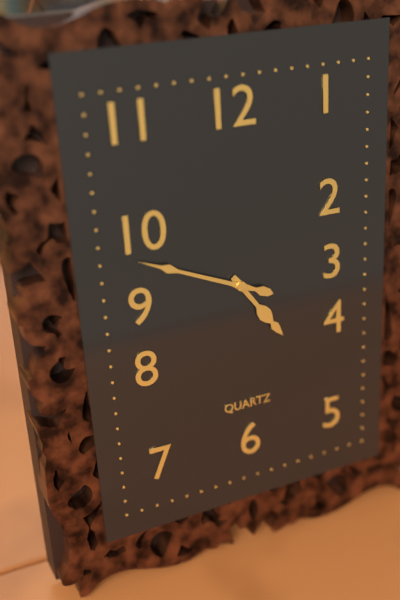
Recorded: h=4 m=49
